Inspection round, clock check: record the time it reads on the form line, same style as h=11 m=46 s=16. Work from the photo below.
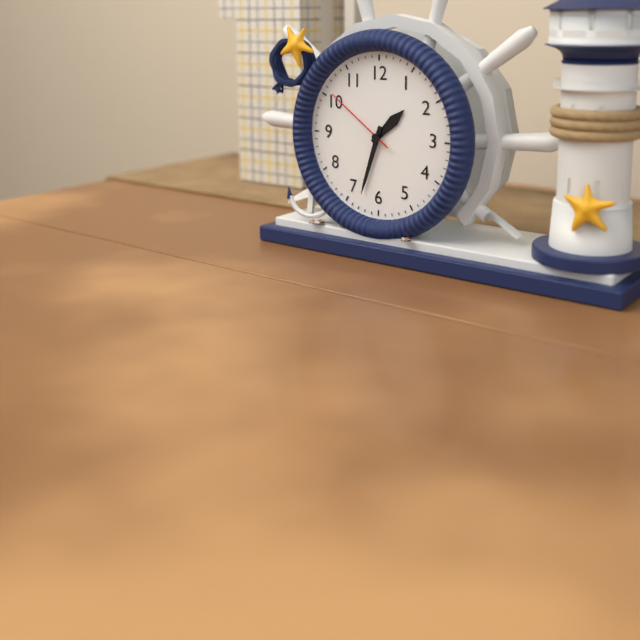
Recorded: h=1 m=33 s=51
